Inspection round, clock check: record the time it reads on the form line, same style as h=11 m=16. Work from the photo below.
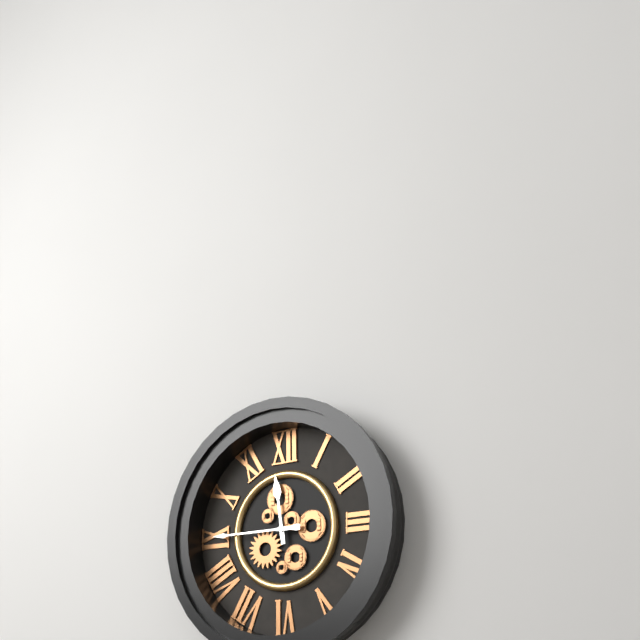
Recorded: h=11 m=45
